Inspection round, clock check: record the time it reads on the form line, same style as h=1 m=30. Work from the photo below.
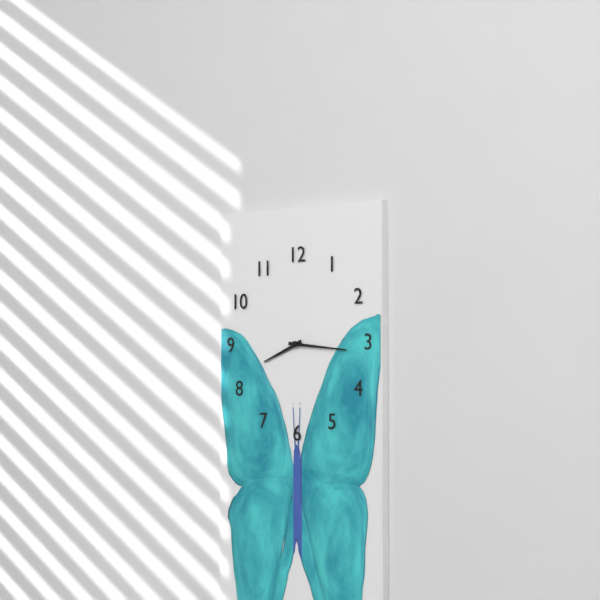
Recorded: h=8 m=16
